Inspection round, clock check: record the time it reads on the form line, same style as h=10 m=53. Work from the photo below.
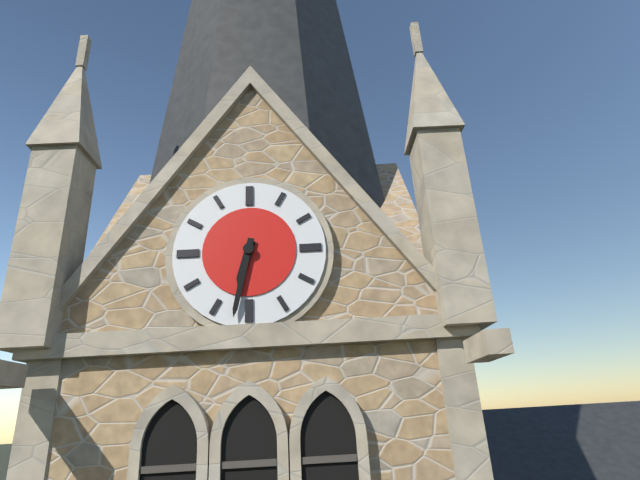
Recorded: h=6 m=32
